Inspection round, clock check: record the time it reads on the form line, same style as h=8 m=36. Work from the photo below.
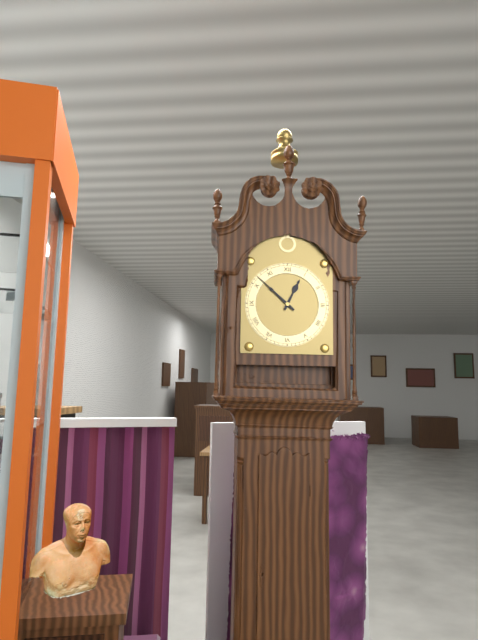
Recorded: h=12 m=52
